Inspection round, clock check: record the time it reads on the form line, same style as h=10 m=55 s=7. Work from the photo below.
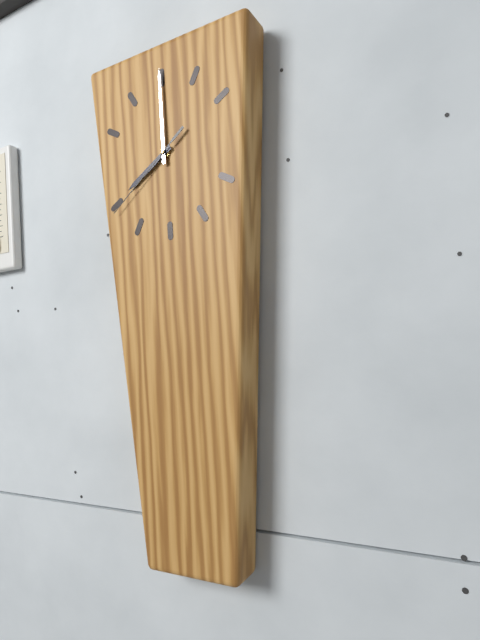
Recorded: h=8 m=0 s=39
